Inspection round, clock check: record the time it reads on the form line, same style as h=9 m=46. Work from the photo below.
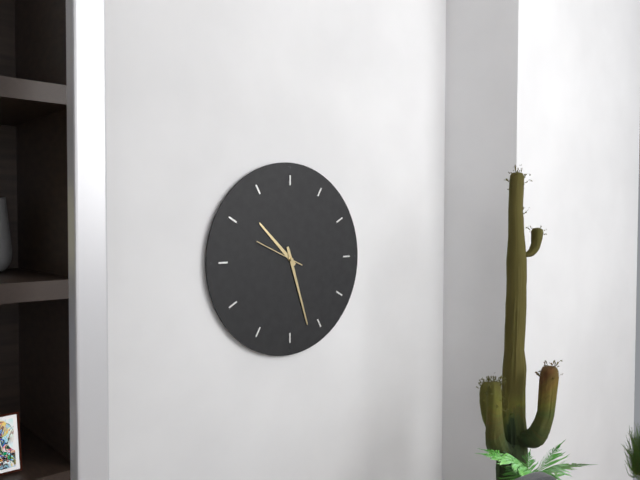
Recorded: h=10 m=27
